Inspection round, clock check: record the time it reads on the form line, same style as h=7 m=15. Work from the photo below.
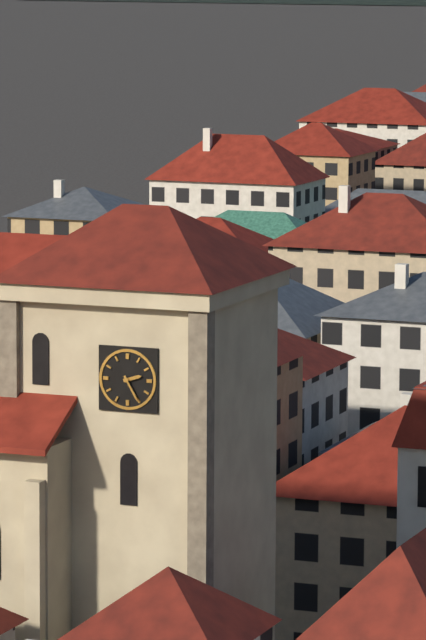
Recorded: h=2 m=25
